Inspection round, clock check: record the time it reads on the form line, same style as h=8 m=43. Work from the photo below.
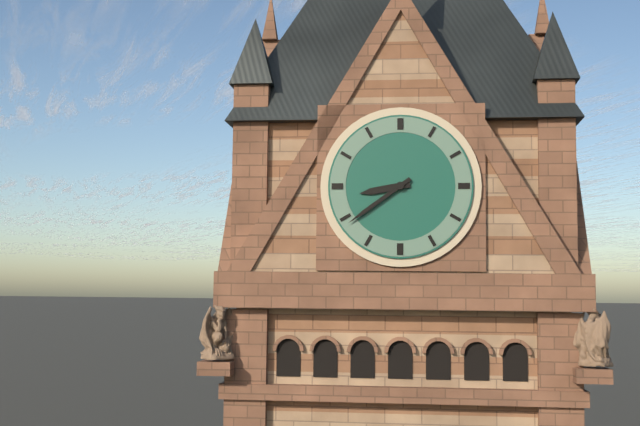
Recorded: h=8 m=39
